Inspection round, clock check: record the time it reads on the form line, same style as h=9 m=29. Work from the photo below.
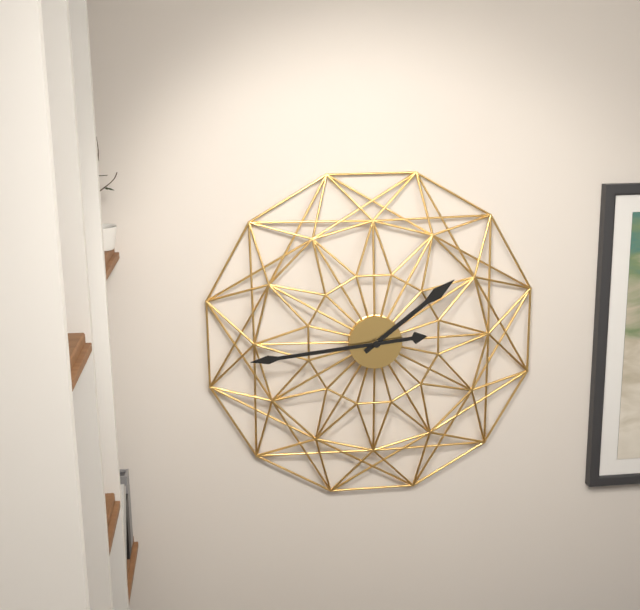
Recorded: h=1 m=44
